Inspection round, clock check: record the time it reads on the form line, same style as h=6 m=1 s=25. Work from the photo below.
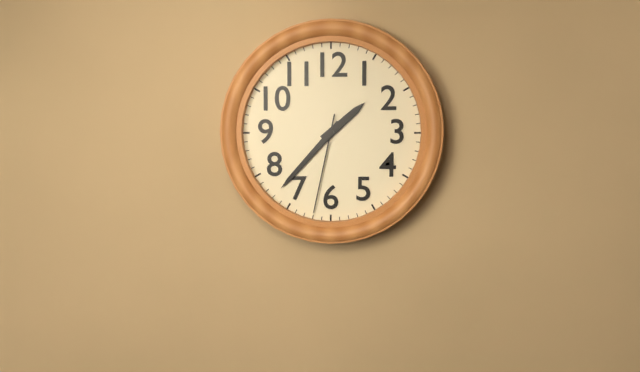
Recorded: h=1 m=37 s=32
